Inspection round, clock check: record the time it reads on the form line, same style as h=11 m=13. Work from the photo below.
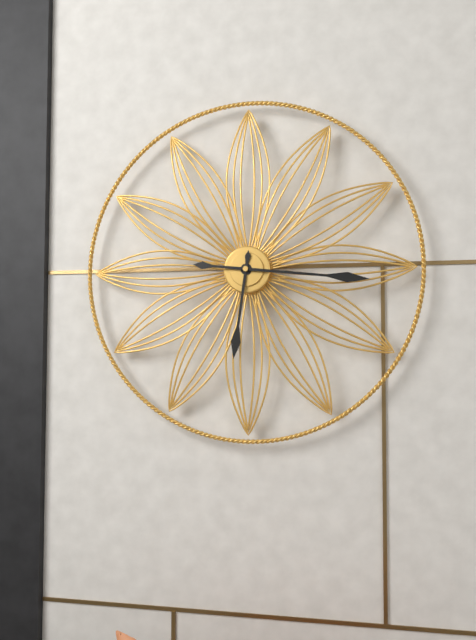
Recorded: h=6 m=16
